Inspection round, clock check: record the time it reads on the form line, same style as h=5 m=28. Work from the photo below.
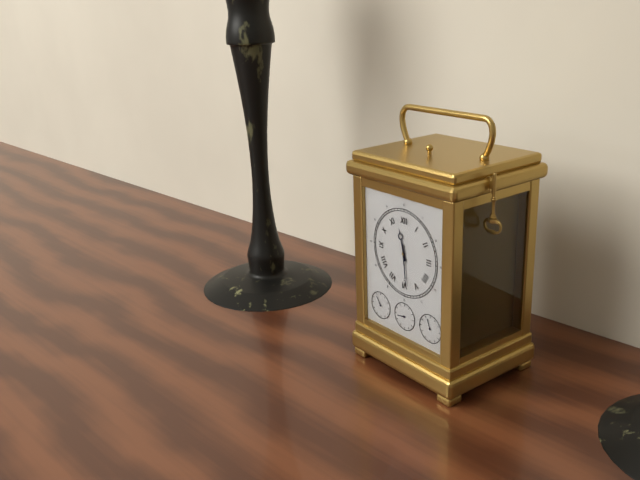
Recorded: h=11 m=29
